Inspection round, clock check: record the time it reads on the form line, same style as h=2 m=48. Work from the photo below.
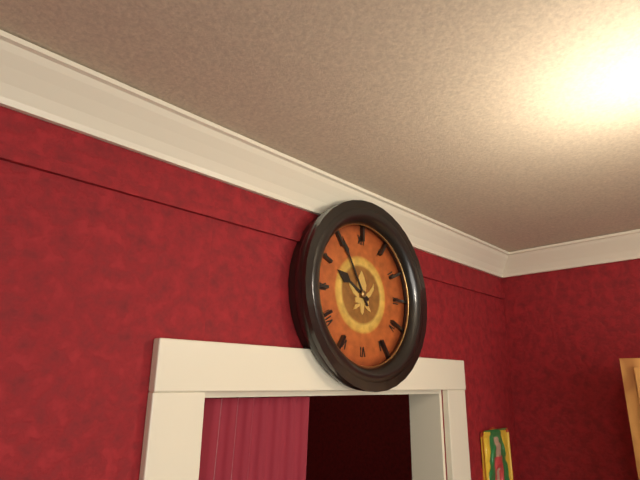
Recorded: h=9 m=55
